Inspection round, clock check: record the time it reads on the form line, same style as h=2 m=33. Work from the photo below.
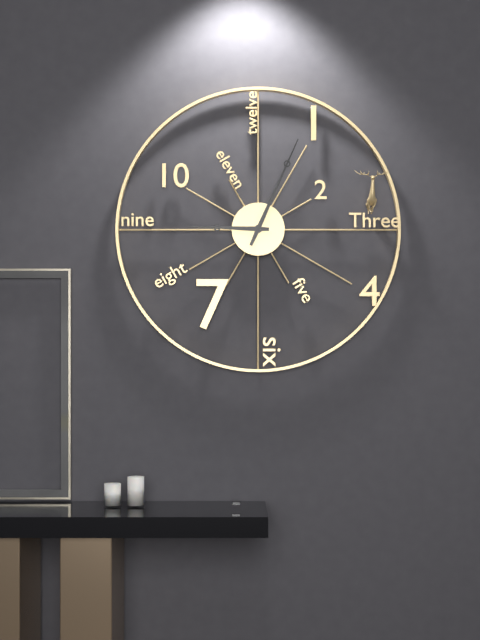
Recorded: h=9 m=4
